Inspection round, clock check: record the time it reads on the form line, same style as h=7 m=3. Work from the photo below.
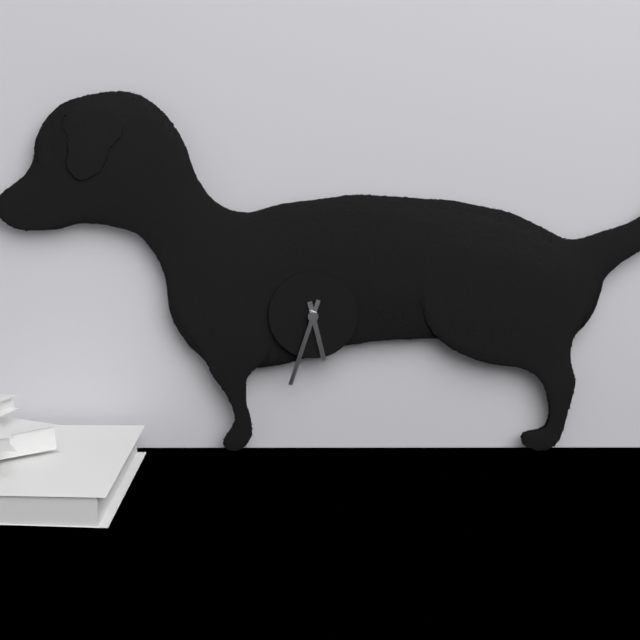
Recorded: h=5 m=33
